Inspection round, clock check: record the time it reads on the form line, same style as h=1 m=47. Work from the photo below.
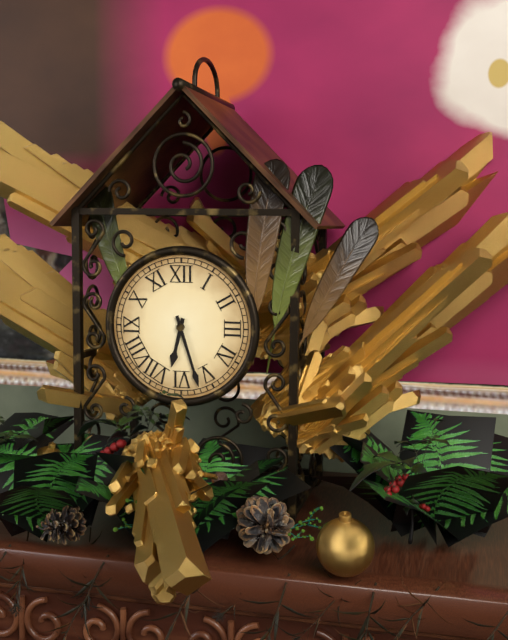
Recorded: h=6 m=27
